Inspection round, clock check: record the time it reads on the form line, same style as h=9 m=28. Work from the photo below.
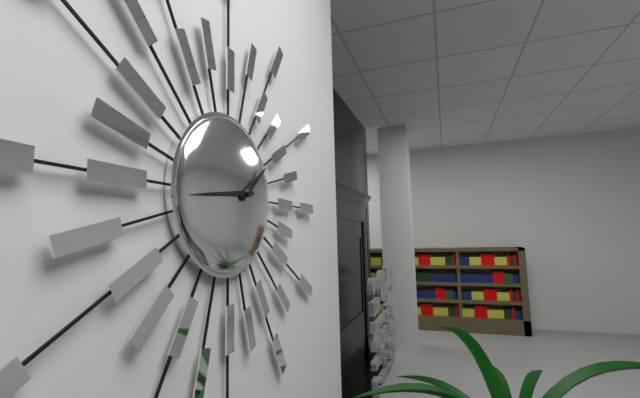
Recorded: h=1 m=44
